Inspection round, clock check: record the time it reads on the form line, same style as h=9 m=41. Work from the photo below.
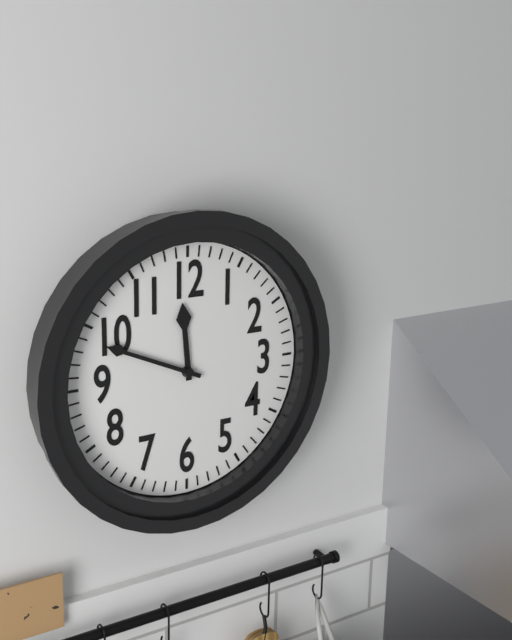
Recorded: h=11 m=49
